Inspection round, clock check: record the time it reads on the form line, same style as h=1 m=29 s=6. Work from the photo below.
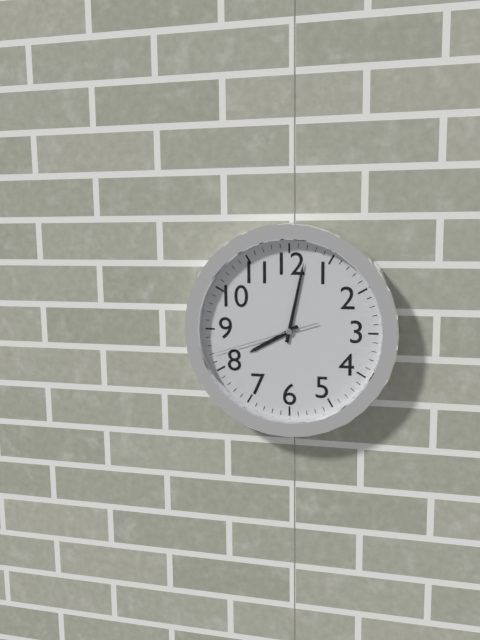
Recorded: h=8 m=2 s=42
